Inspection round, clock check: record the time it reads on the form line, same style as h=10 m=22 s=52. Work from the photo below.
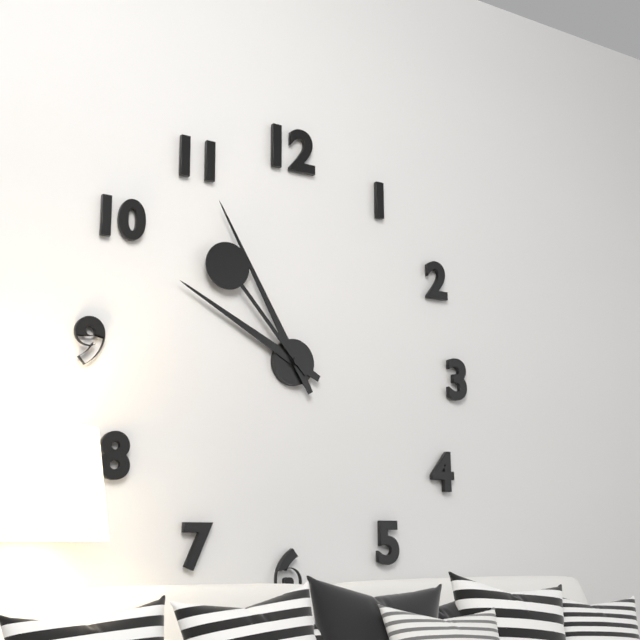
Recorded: h=9 m=55 s=53
